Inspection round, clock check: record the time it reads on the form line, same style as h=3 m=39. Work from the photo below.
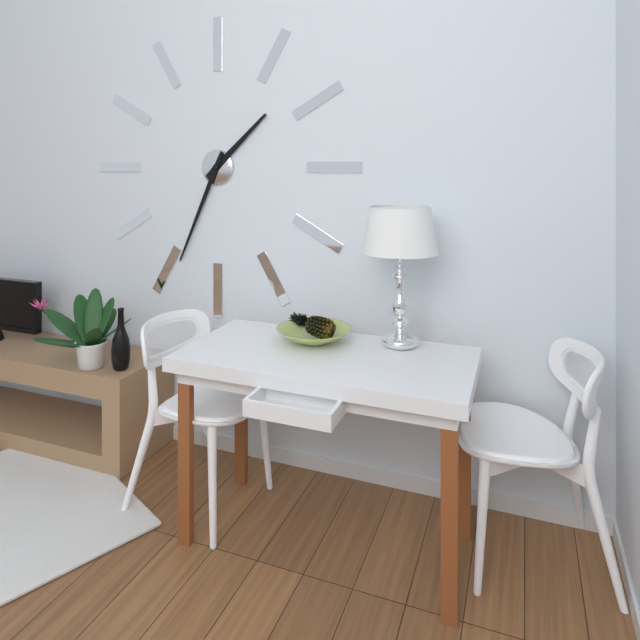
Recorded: h=1 m=34
